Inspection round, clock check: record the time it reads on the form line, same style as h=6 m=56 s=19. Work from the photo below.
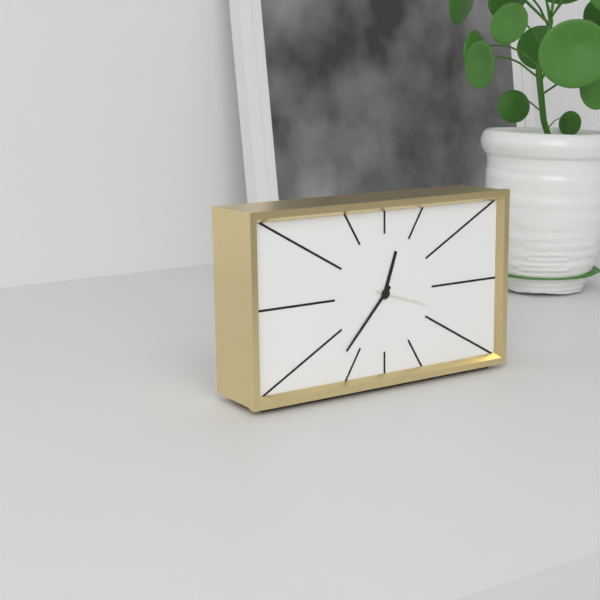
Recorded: h=12 m=37 s=18
